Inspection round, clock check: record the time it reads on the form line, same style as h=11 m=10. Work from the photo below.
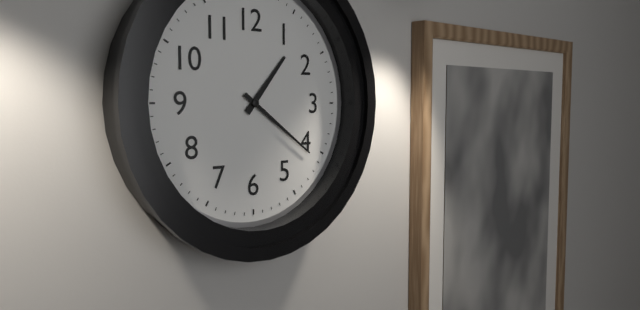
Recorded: h=1 m=21
